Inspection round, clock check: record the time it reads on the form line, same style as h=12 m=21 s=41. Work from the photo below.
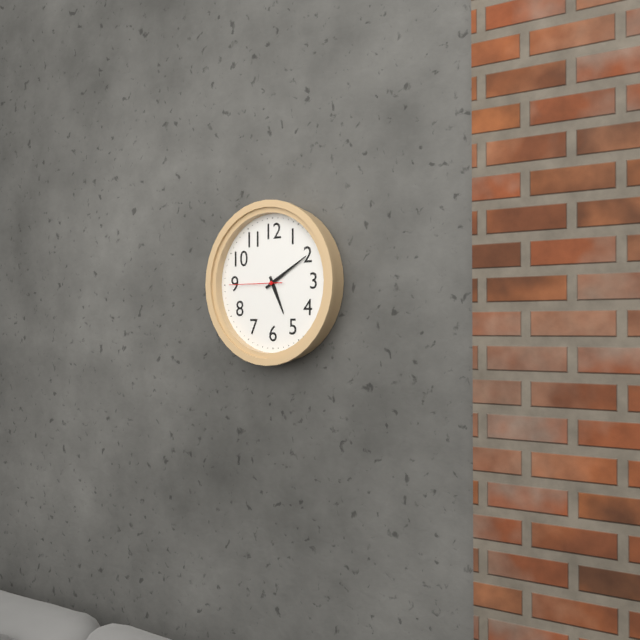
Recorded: h=5 m=10 s=45
